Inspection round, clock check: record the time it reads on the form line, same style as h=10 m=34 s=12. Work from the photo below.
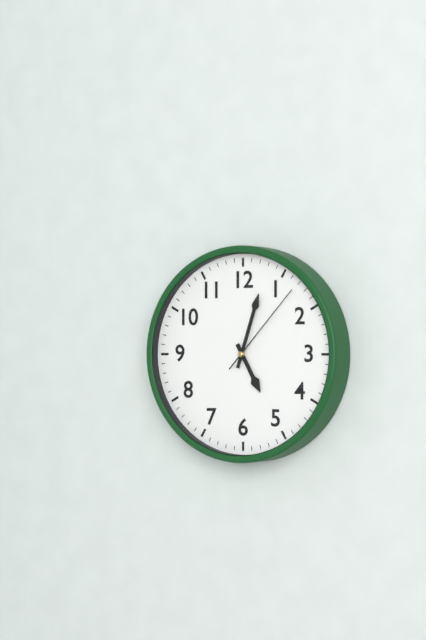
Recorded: h=5 m=3 s=7
